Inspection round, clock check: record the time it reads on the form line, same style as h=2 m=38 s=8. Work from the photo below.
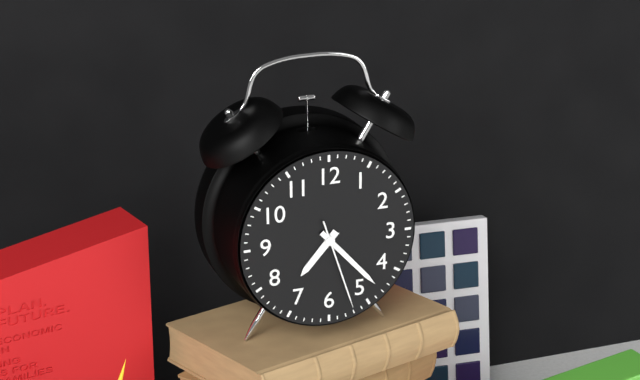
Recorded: h=7 m=23 s=27
